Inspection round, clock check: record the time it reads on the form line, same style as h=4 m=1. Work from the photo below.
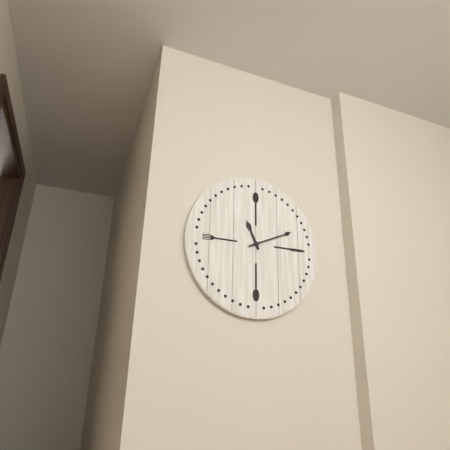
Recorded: h=11 m=11
